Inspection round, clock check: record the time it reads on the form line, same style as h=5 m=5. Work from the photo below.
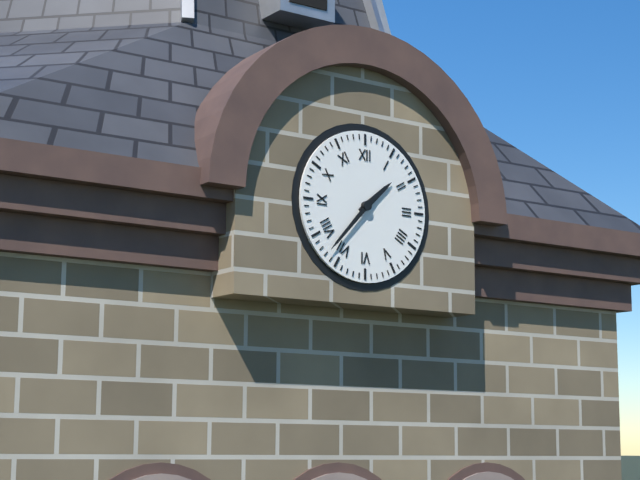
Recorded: h=1 m=37
